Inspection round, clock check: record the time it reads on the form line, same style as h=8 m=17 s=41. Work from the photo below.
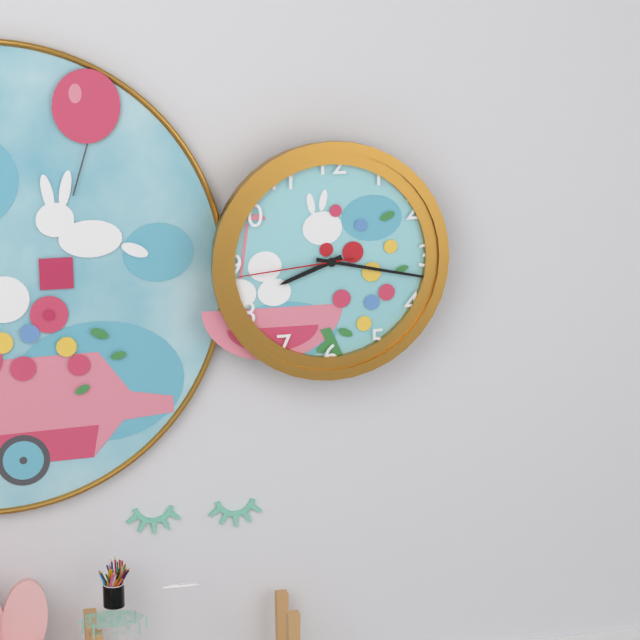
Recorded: h=8 m=17 s=44
